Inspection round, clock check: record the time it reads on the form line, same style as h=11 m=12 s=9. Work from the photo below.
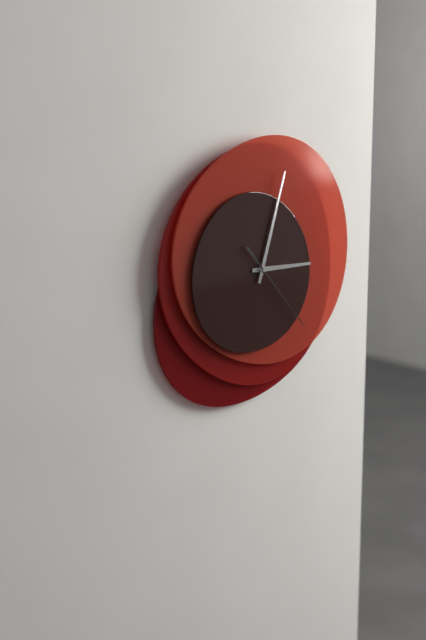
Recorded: h=3 m=3 s=23
